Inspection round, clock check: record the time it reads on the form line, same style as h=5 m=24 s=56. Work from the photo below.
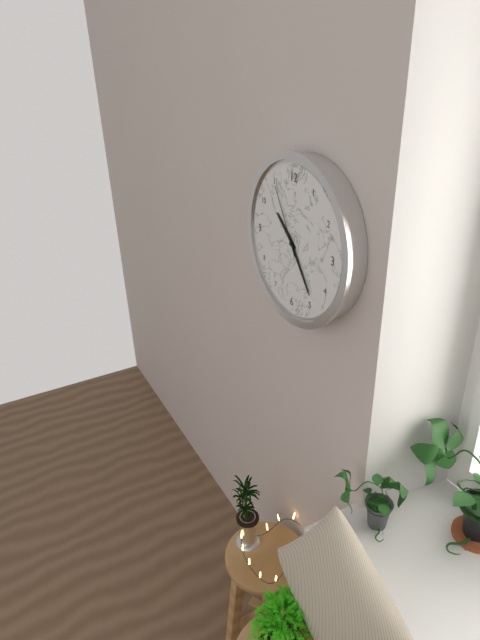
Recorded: h=10 m=24 s=55
